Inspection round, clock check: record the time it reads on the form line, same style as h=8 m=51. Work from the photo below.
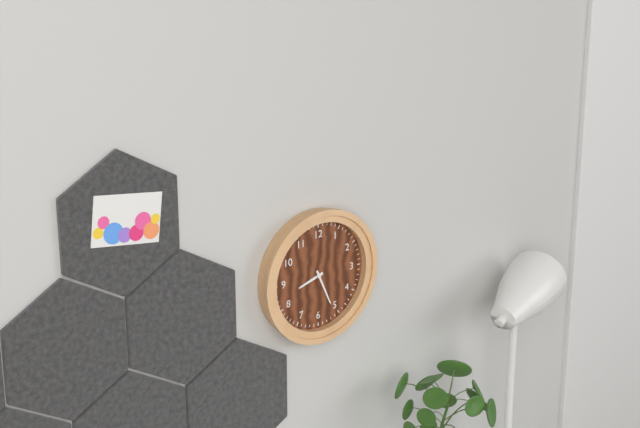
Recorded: h=8 m=26
